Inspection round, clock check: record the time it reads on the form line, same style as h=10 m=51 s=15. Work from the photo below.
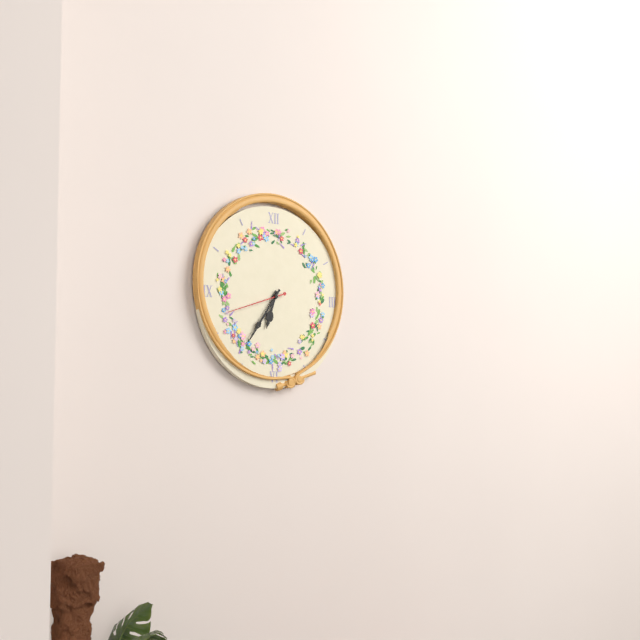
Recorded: h=6 m=36 s=42
